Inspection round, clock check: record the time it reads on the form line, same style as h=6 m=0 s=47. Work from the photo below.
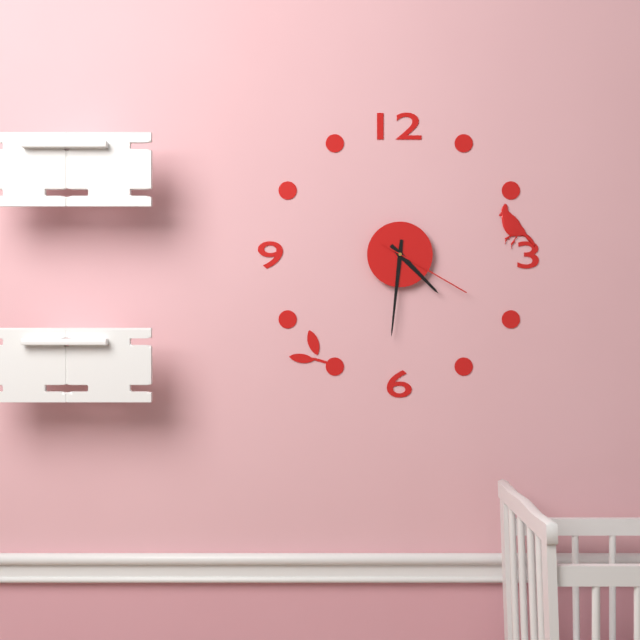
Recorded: h=4 m=31 s=20
